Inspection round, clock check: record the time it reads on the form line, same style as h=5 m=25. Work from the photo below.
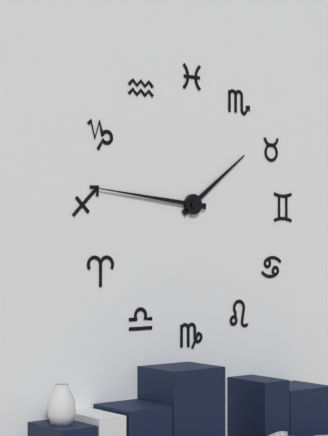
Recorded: h=1 m=46
